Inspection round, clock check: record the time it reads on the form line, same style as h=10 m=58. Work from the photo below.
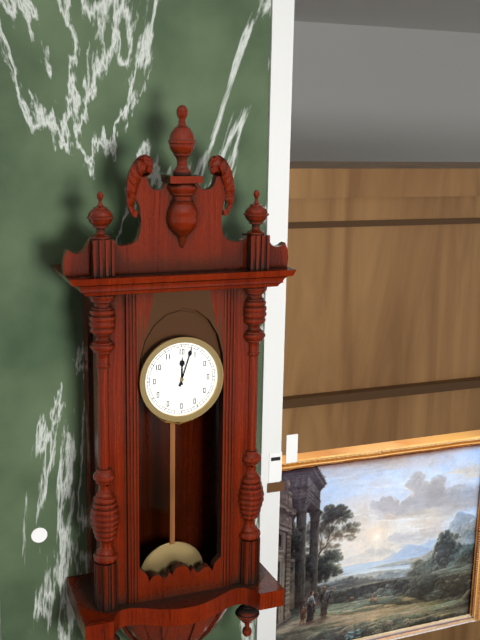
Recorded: h=12 m=3
